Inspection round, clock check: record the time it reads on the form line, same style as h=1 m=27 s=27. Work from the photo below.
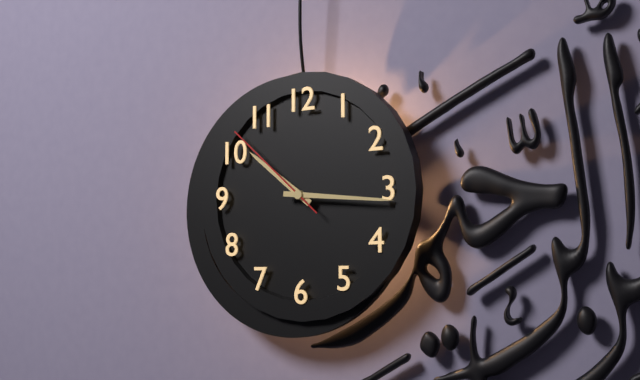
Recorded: h=10 m=16 s=52
